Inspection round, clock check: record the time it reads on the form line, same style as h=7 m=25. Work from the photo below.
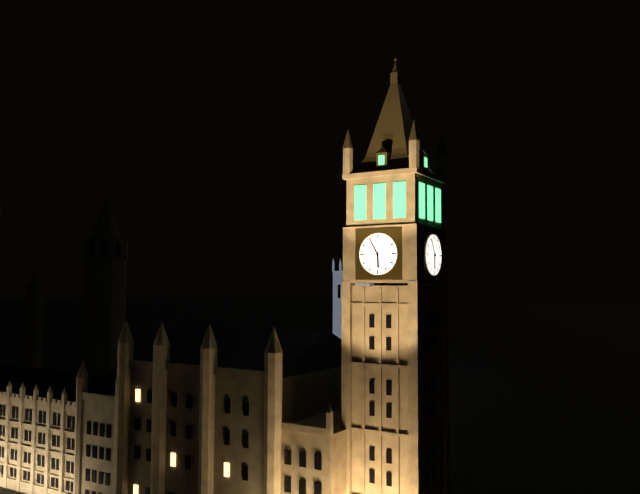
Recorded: h=5 m=55
